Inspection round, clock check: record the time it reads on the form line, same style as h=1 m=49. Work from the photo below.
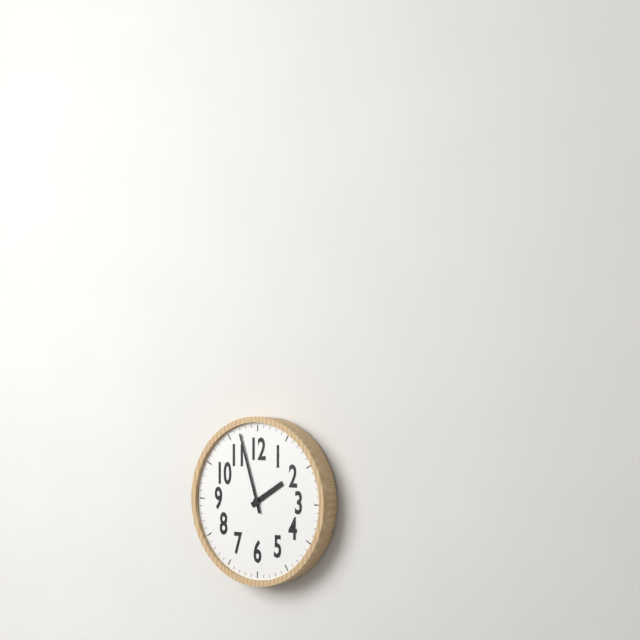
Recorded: h=1 m=57
